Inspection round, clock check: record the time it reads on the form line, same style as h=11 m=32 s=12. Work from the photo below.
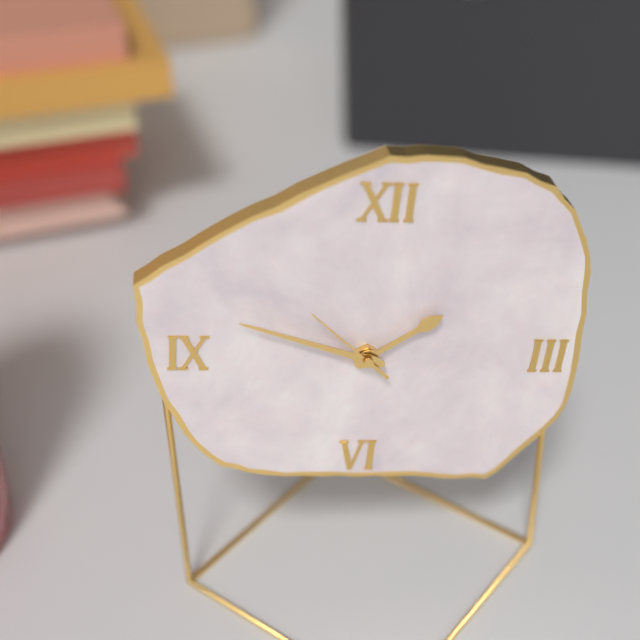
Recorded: h=1 m=48 s=52
